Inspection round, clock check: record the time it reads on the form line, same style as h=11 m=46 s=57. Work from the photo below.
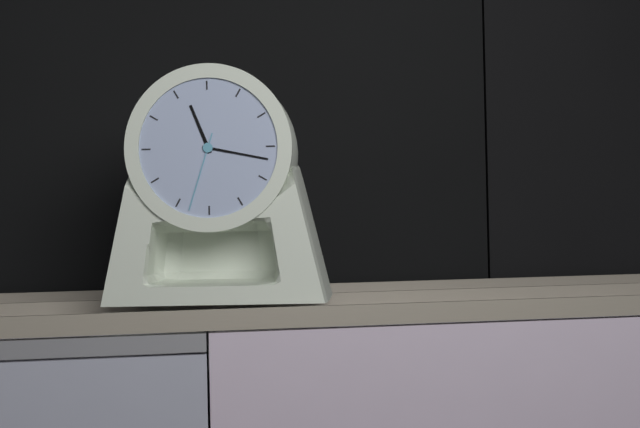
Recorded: h=11 m=17 s=33
